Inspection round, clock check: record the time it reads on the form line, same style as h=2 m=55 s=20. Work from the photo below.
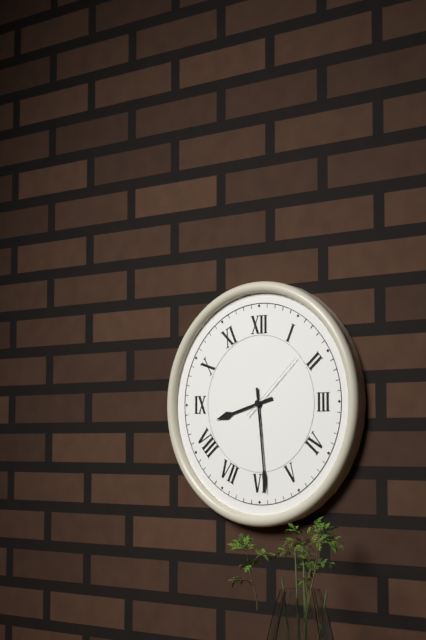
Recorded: h=8 m=29 s=8
